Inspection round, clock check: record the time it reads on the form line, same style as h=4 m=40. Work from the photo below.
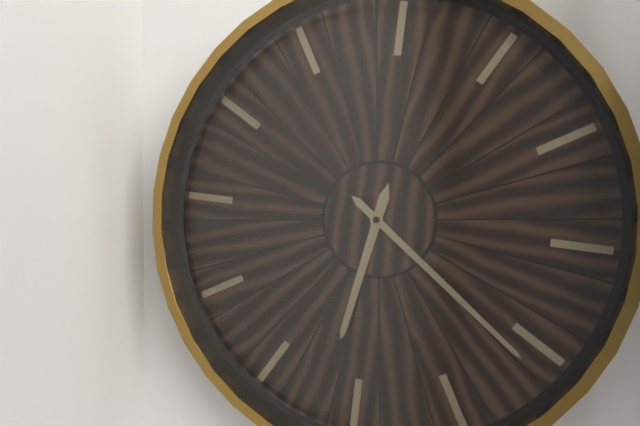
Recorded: h=6 m=21
